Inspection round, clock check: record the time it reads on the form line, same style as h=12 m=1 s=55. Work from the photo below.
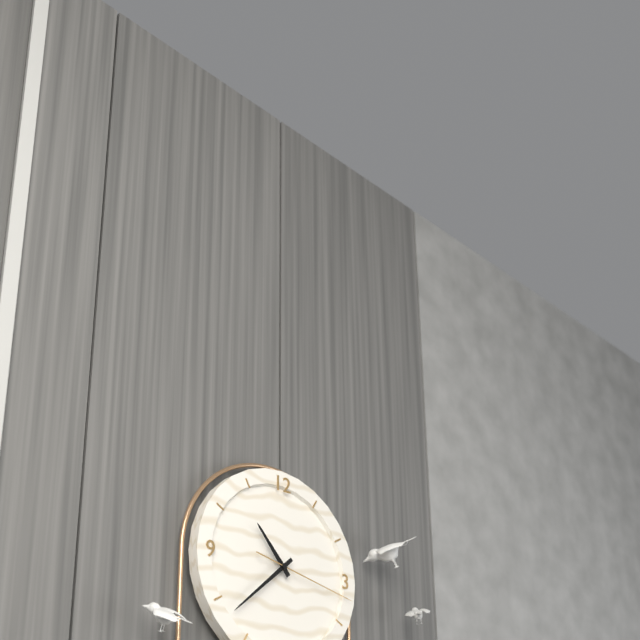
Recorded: h=10 m=38 s=17
